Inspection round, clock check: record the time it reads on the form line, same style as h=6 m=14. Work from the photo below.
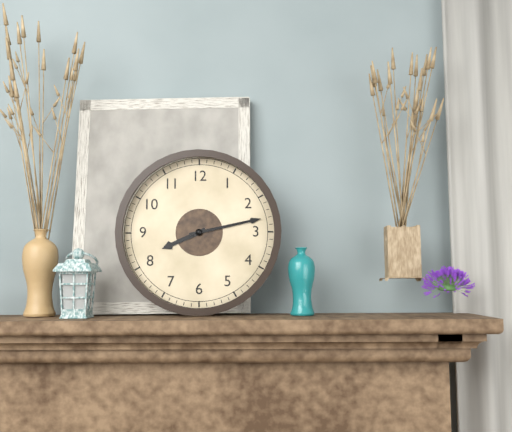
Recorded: h=8 m=13
